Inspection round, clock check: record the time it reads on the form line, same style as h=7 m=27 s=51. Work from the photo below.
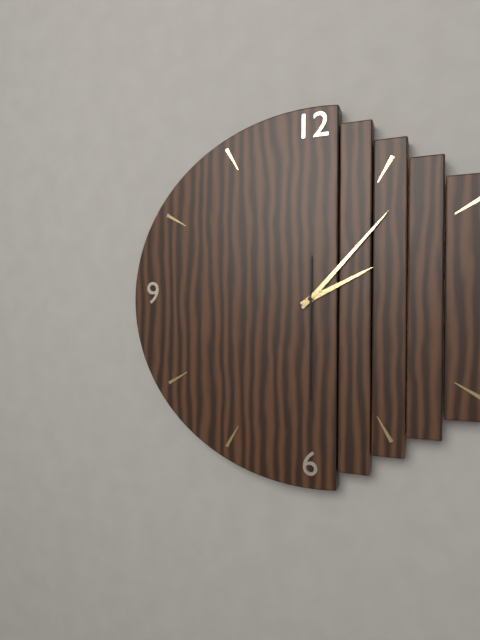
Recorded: h=2 m=7 s=30
